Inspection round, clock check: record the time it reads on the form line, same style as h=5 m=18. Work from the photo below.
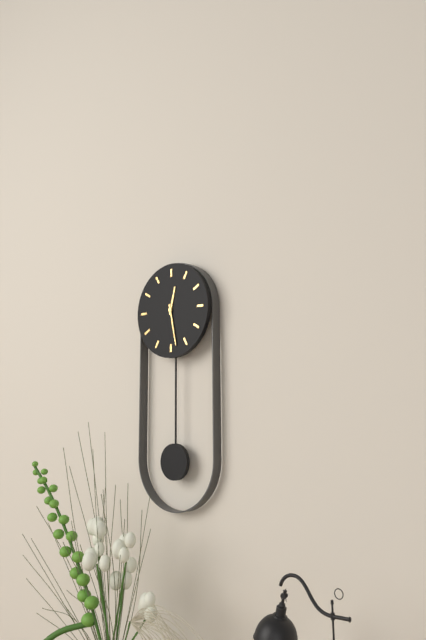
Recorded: h=12 m=28
